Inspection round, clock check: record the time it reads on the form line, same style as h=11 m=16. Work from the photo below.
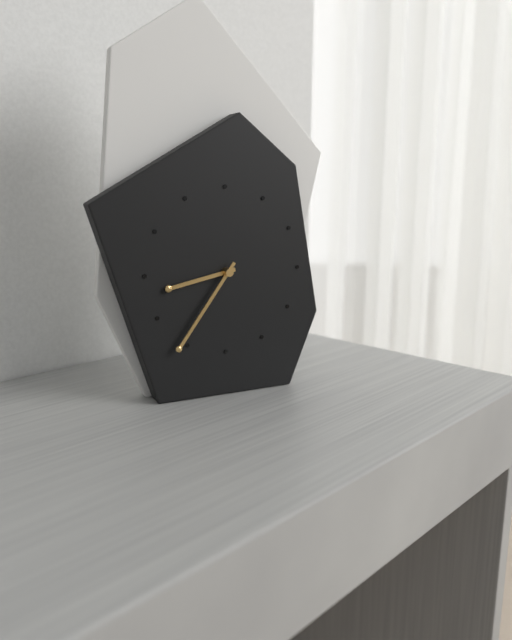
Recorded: h=8 m=36
